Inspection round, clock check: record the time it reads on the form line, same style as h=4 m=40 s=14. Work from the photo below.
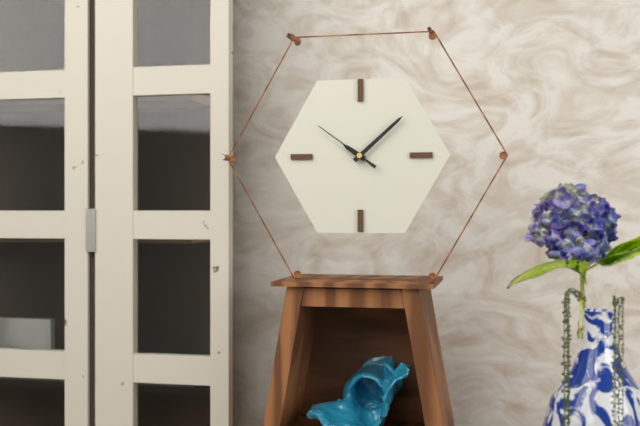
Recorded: h=10 m=8 s=51
